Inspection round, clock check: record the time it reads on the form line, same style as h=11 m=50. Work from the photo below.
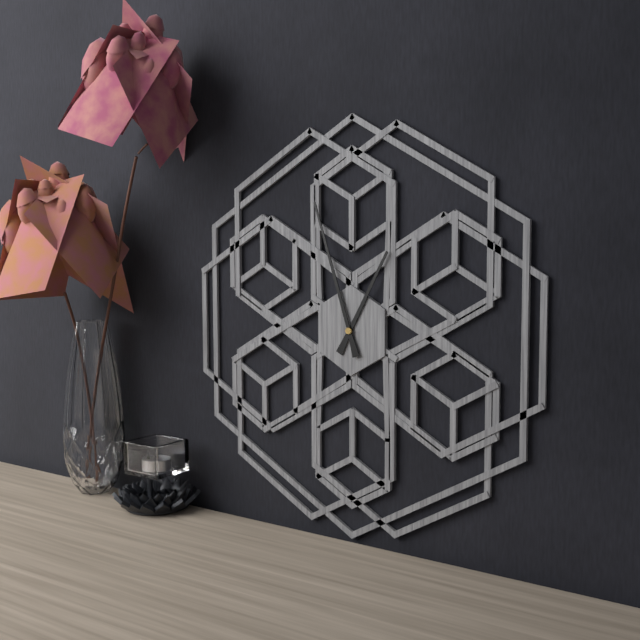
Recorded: h=12 m=57
